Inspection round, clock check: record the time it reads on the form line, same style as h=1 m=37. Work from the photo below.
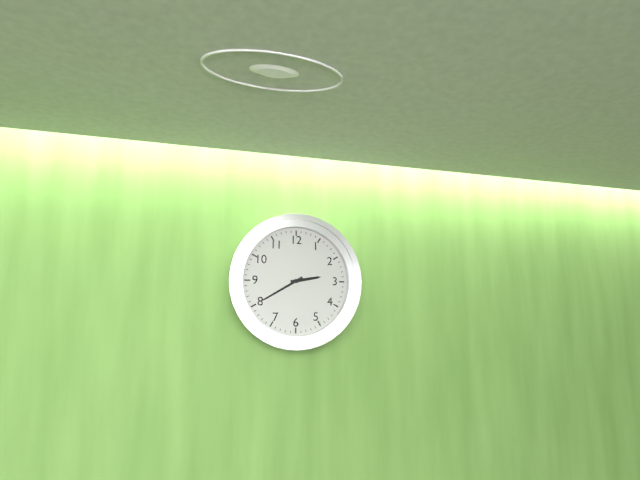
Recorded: h=2 m=40
